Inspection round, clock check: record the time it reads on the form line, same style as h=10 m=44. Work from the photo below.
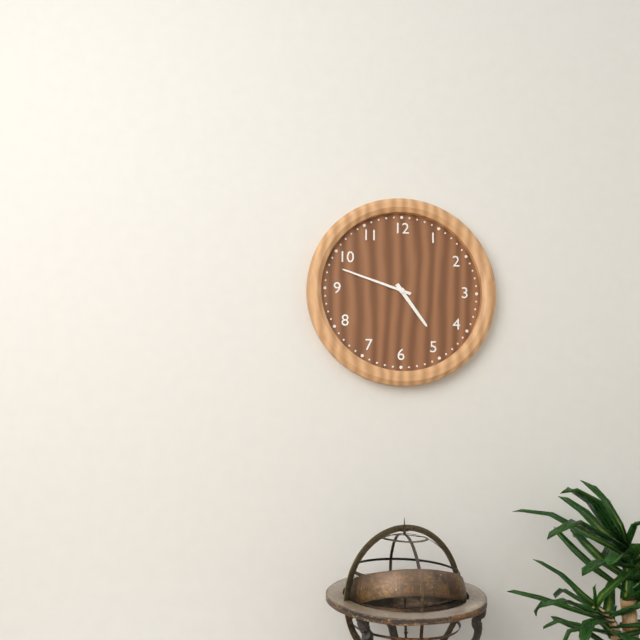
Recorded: h=4 m=48
